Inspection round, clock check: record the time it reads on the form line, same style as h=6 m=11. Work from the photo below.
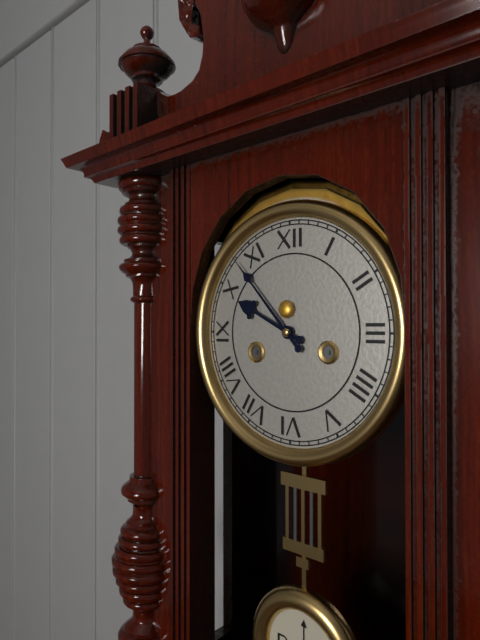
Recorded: h=9 m=53
